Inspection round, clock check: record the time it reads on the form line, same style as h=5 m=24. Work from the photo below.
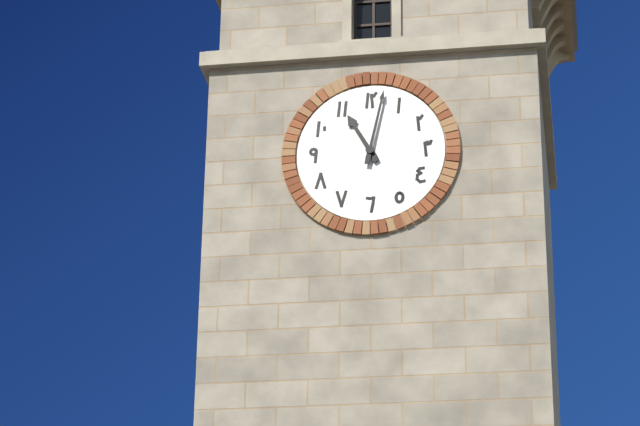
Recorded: h=11 m=2
